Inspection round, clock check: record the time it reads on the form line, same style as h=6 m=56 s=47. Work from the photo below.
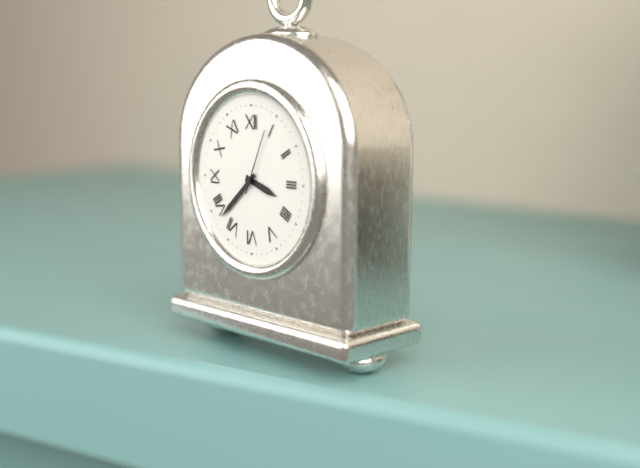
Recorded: h=3 m=38 s=4
